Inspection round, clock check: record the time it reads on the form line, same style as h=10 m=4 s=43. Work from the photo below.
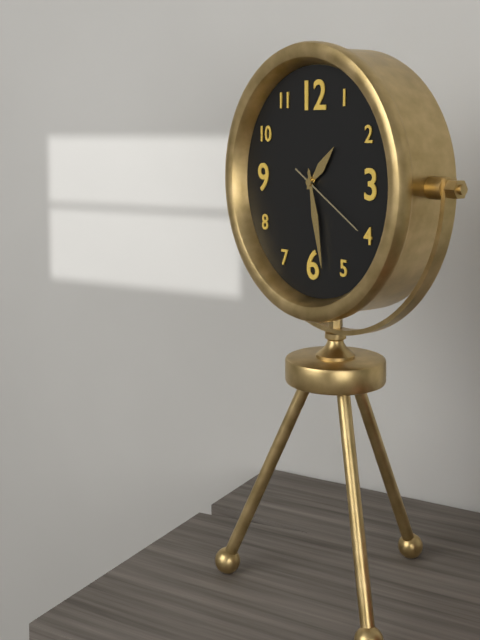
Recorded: h=1 m=28 s=20
